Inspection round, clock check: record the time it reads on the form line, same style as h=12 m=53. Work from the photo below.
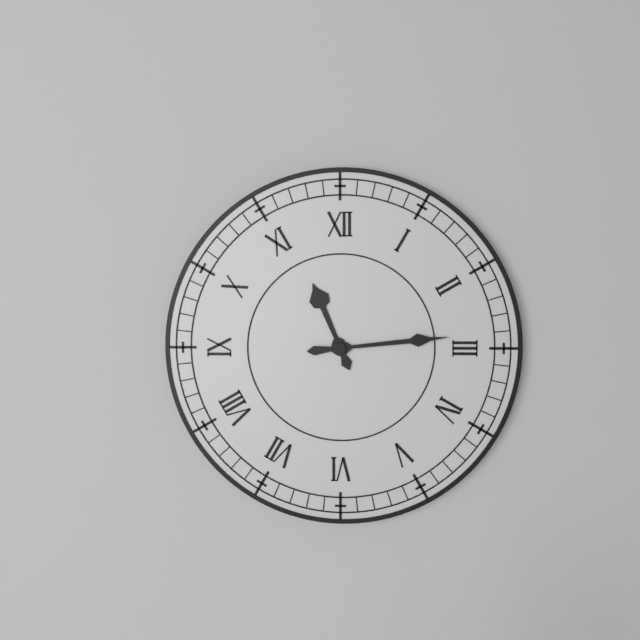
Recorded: h=11 m=14
